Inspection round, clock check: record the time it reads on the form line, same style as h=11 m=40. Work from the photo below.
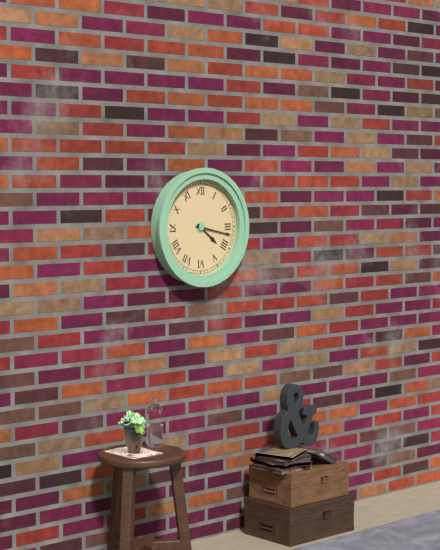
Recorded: h=4 m=17
